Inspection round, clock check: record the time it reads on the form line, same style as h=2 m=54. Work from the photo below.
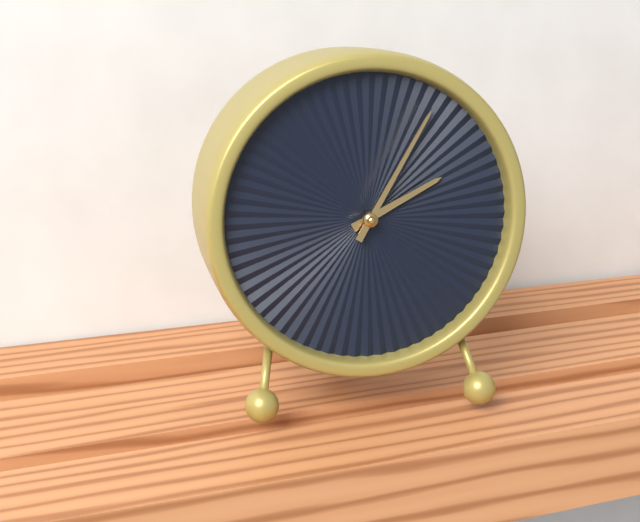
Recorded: h=2 m=5
